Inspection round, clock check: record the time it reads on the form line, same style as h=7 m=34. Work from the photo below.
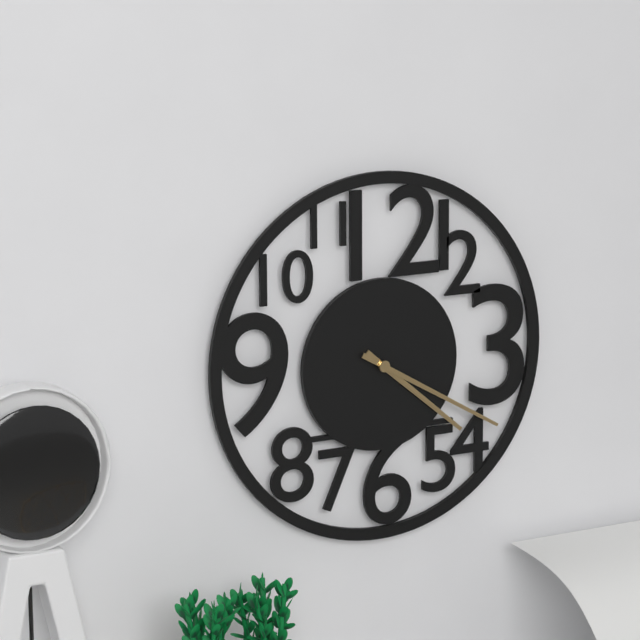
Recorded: h=4 m=20
